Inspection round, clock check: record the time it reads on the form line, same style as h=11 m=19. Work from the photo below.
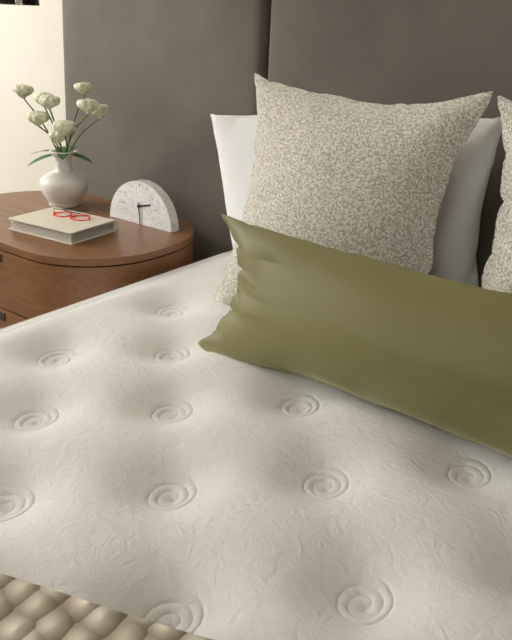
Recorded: h=2 m=29
